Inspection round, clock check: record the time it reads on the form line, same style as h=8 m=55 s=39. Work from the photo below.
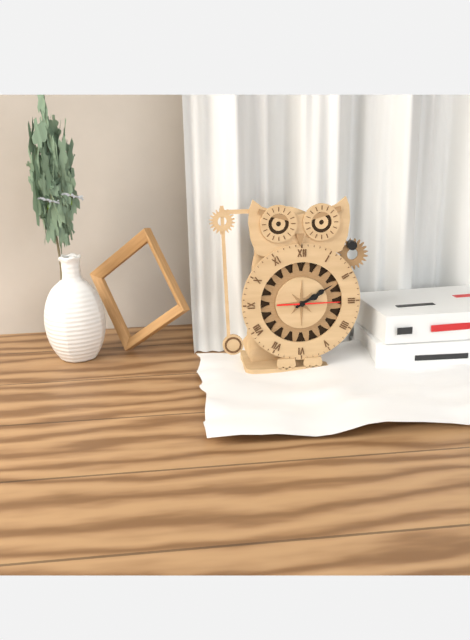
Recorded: h=2 m=10 s=15
